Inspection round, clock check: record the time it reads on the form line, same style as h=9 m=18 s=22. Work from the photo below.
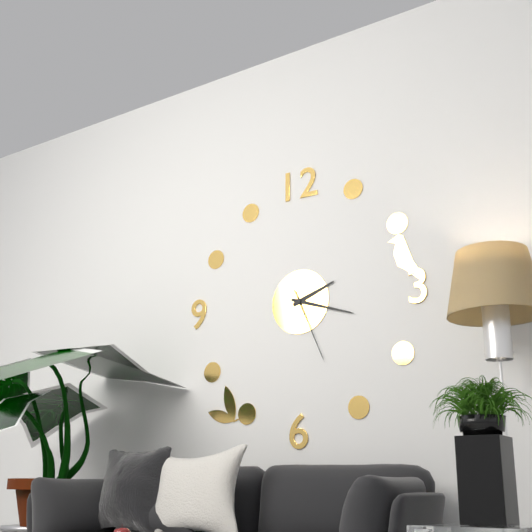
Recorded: h=2 m=18 s=26
